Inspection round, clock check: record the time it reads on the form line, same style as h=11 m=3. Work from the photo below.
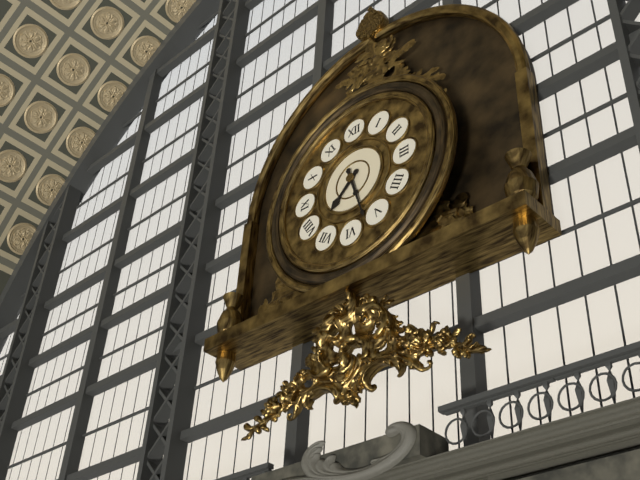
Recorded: h=7 m=27
